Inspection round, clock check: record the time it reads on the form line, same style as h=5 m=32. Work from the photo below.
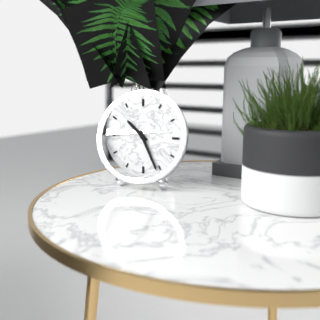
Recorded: h=10 m=26
